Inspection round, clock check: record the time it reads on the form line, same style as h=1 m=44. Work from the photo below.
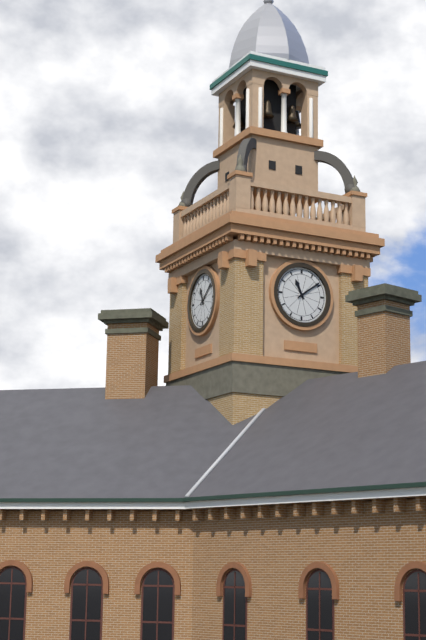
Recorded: h=11 m=9
